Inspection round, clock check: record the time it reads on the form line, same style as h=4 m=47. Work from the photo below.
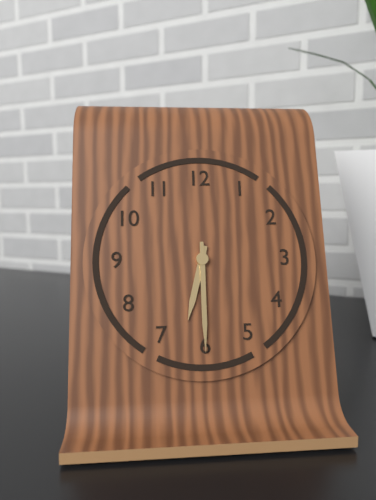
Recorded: h=6 m=30
